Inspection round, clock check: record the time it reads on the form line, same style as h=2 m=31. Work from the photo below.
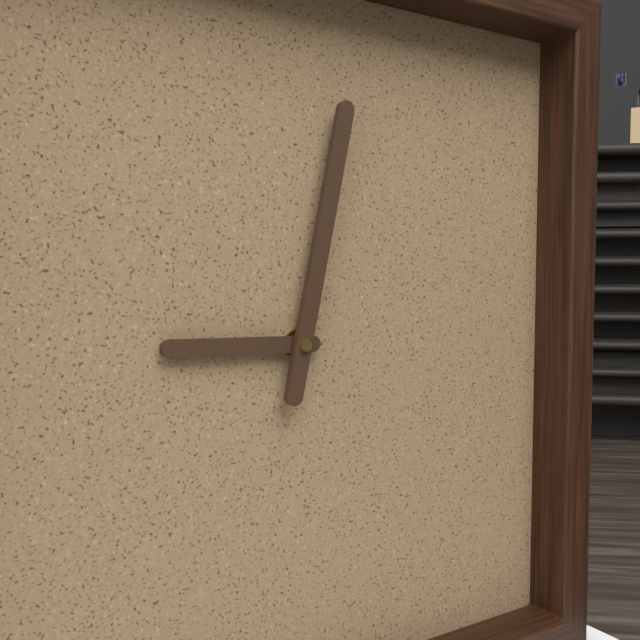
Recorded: h=9 m=2
